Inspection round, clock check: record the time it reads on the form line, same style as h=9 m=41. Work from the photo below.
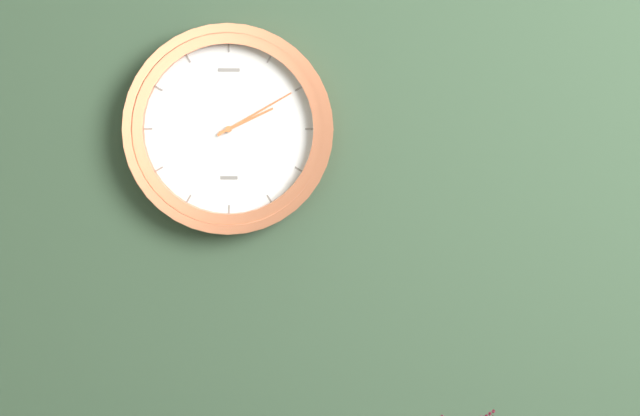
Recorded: h=2 m=10
